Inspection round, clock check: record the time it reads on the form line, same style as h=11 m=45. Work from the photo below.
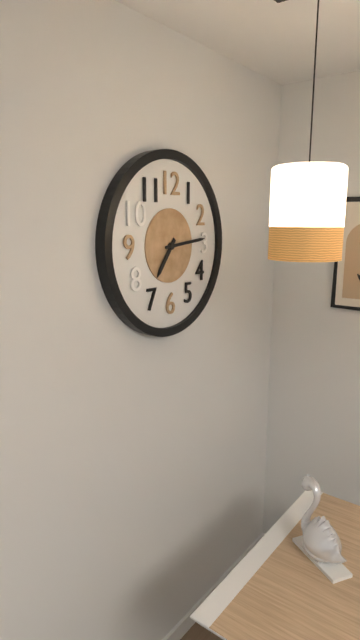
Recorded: h=7 m=14
